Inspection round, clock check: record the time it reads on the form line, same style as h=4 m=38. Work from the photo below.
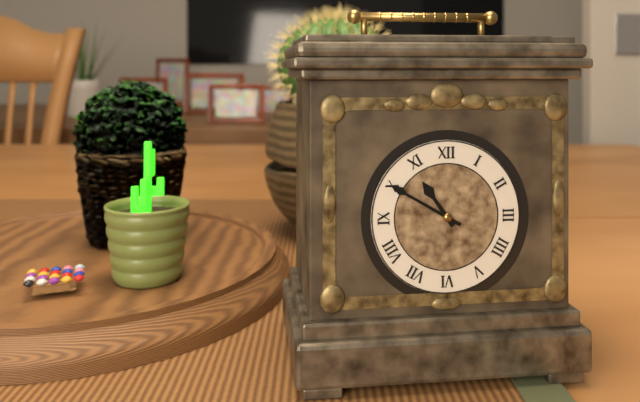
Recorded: h=10 m=50
